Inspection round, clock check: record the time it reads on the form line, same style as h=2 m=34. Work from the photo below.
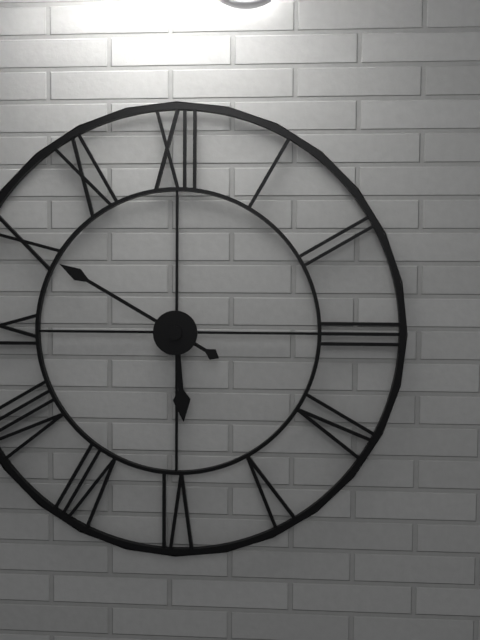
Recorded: h=5 m=50
